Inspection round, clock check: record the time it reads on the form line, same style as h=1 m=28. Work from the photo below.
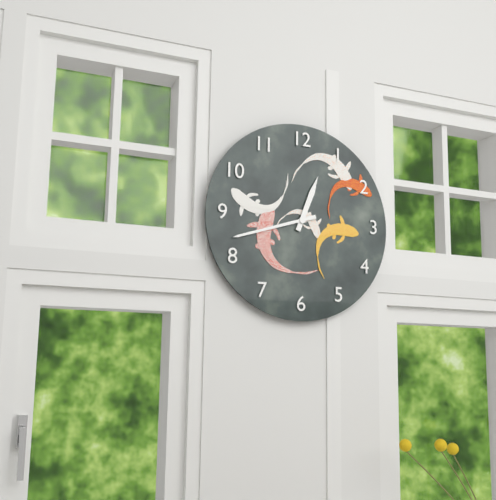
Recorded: h=12 m=42
